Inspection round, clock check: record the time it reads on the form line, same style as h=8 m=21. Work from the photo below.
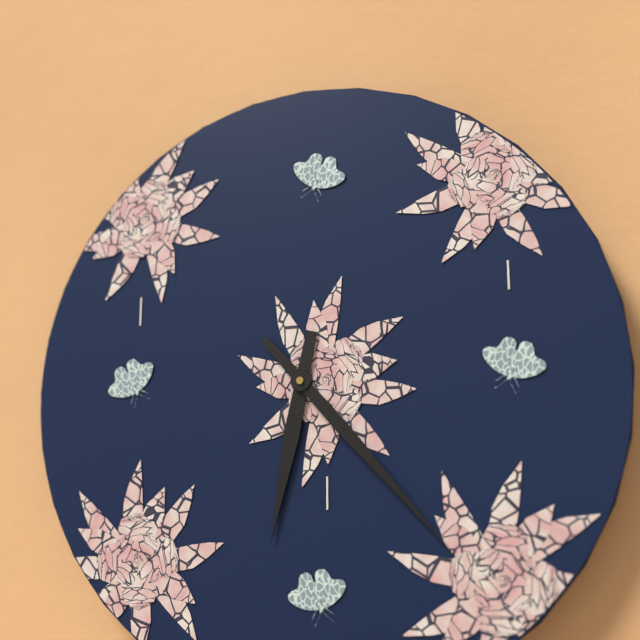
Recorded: h=6 m=23
